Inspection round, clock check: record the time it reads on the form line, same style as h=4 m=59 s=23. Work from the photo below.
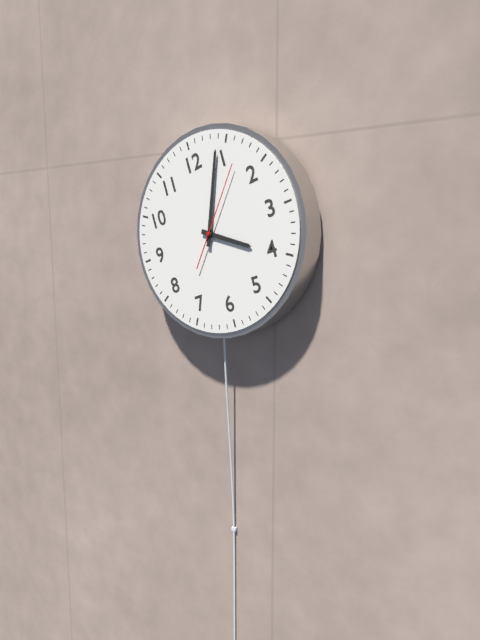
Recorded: h=4 m=4 s=7
